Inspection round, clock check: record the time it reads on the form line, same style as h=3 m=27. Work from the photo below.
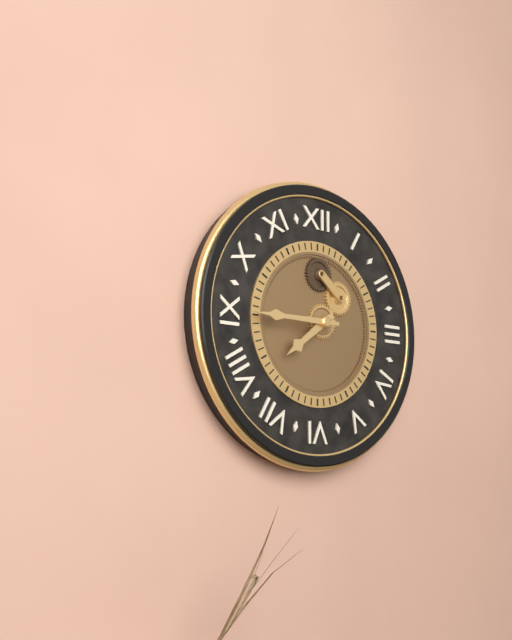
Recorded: h=7 m=45
